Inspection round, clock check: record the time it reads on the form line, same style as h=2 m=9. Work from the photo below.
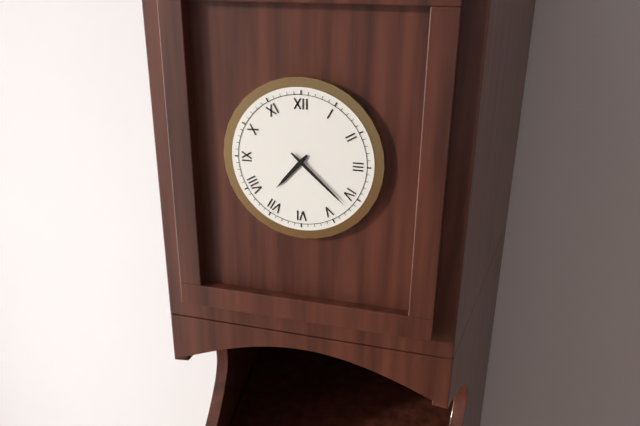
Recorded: h=7 m=22
